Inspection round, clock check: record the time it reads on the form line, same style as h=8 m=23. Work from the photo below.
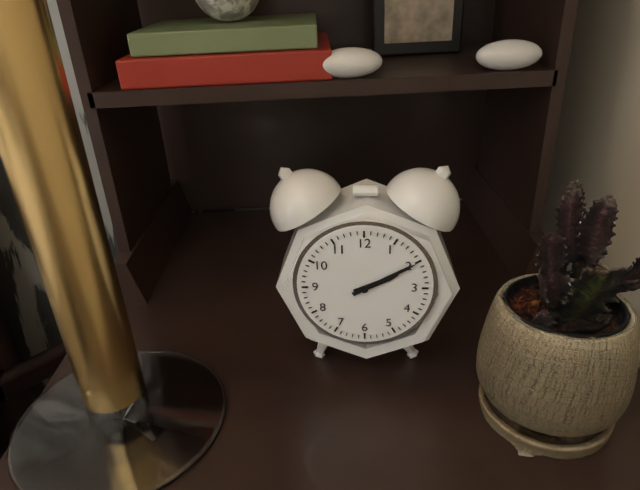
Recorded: h=2 m=10
